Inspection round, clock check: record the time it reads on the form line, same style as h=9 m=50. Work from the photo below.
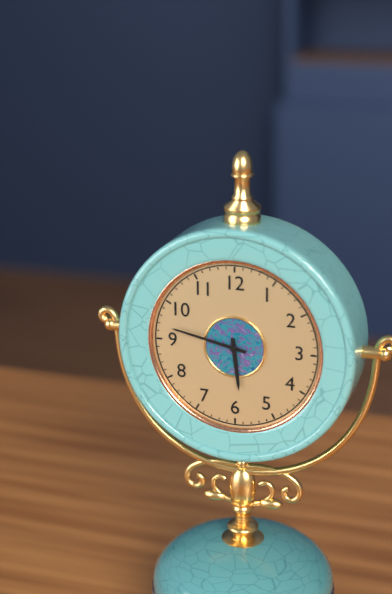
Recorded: h=5 m=47
